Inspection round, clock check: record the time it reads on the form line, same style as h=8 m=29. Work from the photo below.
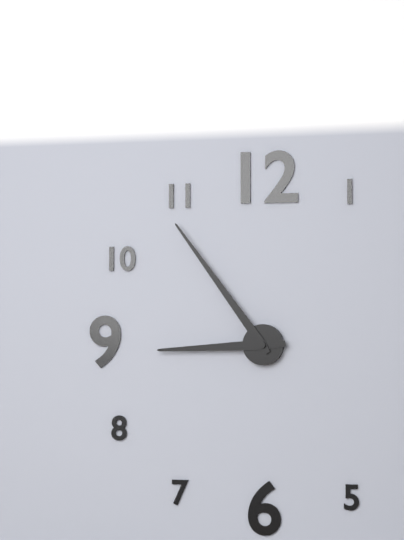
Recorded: h=8 m=54
